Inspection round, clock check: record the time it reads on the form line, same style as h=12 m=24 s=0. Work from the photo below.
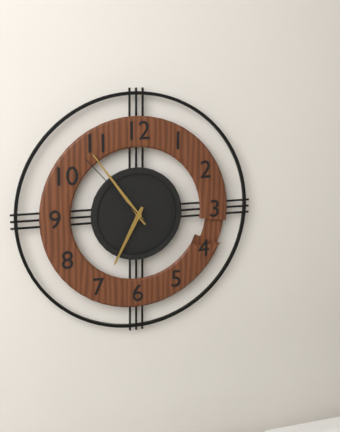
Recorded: h=6 m=54 s=53
